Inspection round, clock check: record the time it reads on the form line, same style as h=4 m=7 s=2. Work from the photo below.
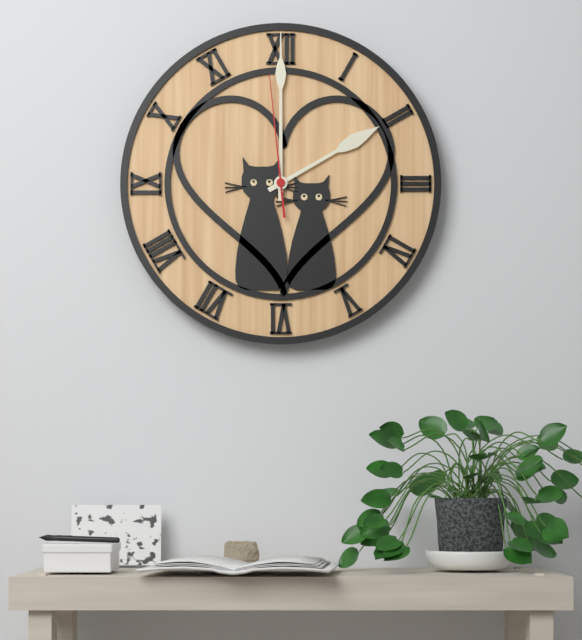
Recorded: h=2 m=0 s=59
